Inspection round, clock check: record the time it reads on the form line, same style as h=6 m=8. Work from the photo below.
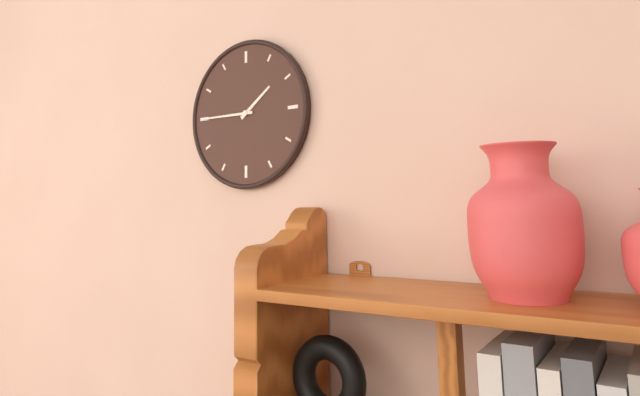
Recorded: h=1 m=45
